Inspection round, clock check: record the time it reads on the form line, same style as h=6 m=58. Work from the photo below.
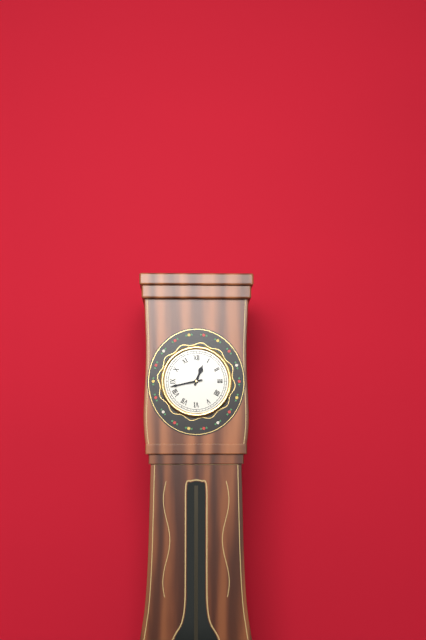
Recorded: h=12 m=43
